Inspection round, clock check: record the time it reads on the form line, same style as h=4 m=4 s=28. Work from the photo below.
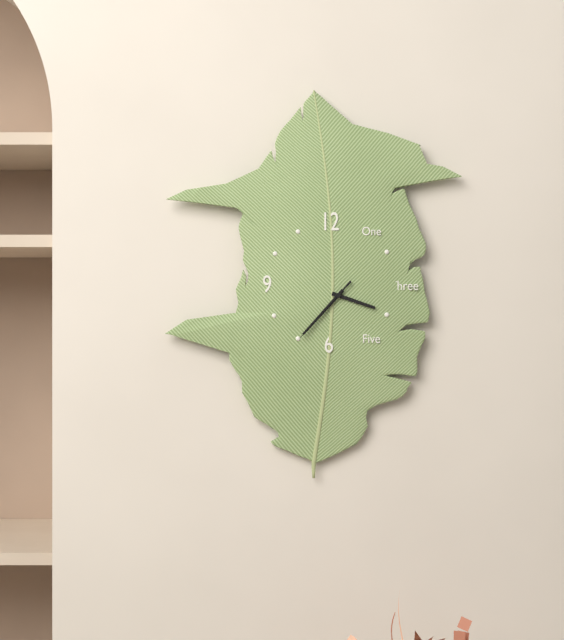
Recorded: h=3 m=37 s=37
